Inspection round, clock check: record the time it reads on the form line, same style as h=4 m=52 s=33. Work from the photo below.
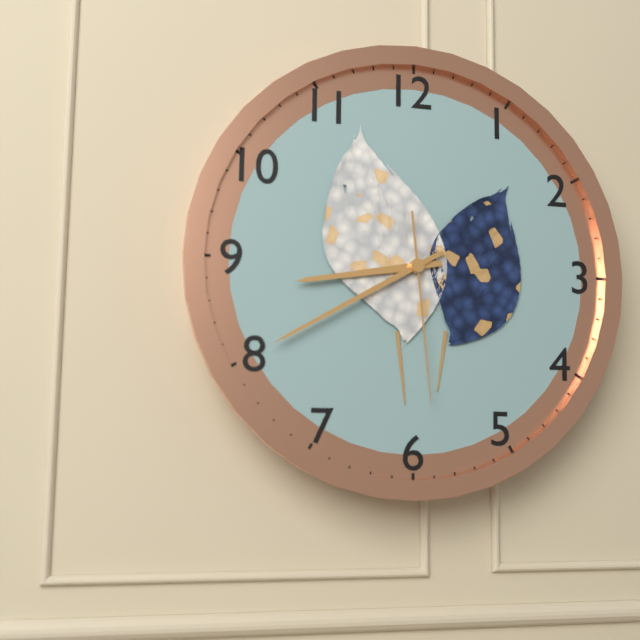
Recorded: h=8 m=40 s=29
